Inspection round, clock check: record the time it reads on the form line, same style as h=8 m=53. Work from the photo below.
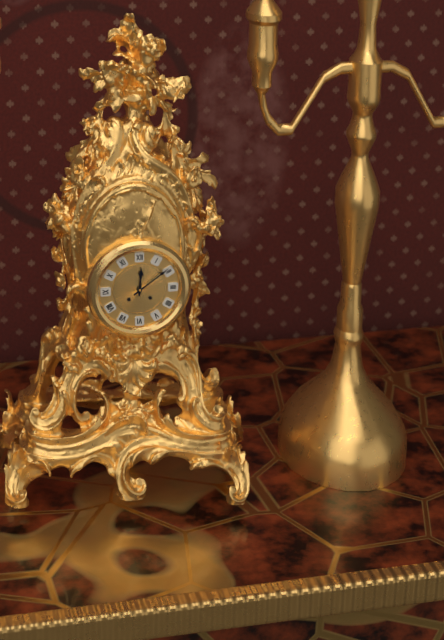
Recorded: h=12 m=9
